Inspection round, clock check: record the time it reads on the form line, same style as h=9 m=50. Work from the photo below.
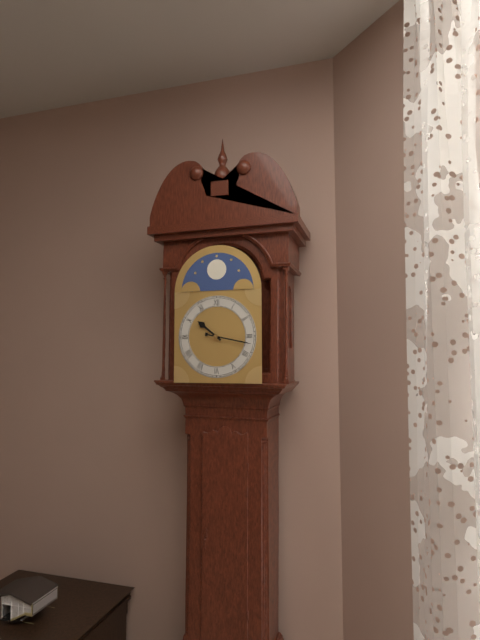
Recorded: h=10 m=17
